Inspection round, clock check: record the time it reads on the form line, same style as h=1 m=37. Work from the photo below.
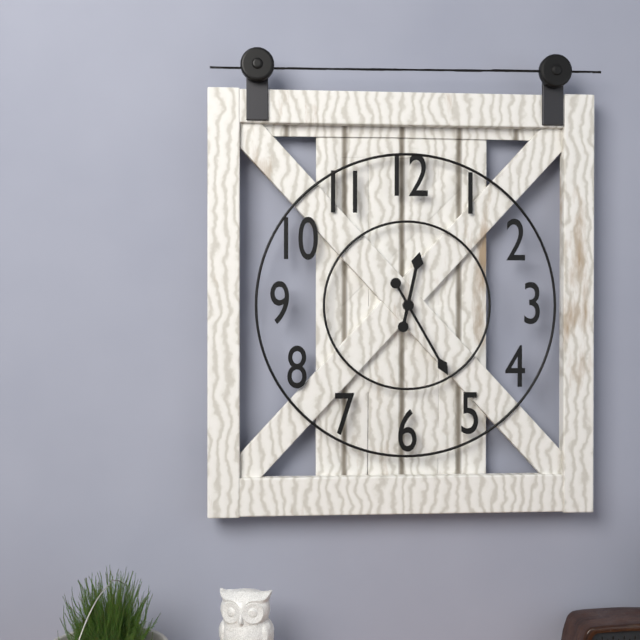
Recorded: h=12 m=25
